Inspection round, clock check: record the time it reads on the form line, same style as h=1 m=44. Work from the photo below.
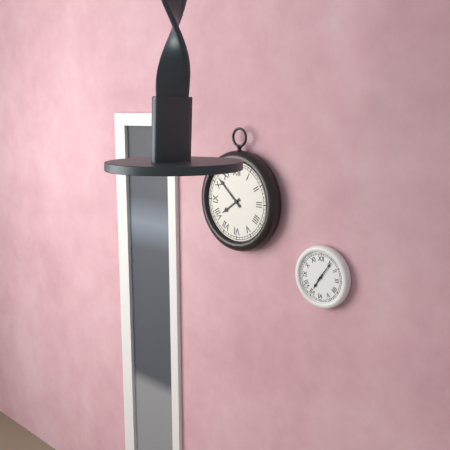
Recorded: h=7 m=52
